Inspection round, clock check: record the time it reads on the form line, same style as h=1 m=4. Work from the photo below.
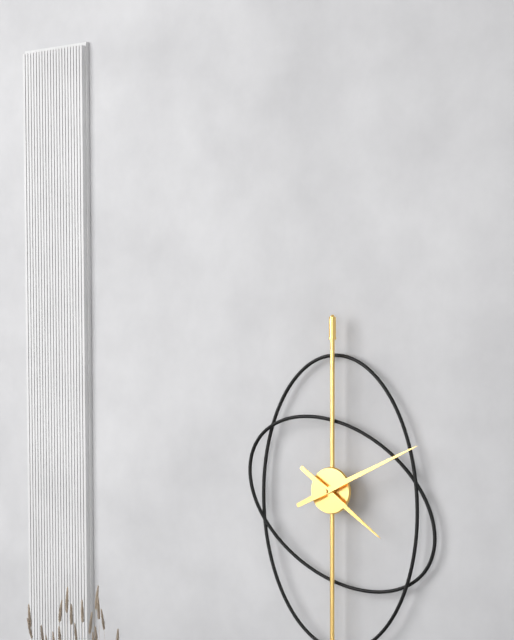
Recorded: h=4 m=11
